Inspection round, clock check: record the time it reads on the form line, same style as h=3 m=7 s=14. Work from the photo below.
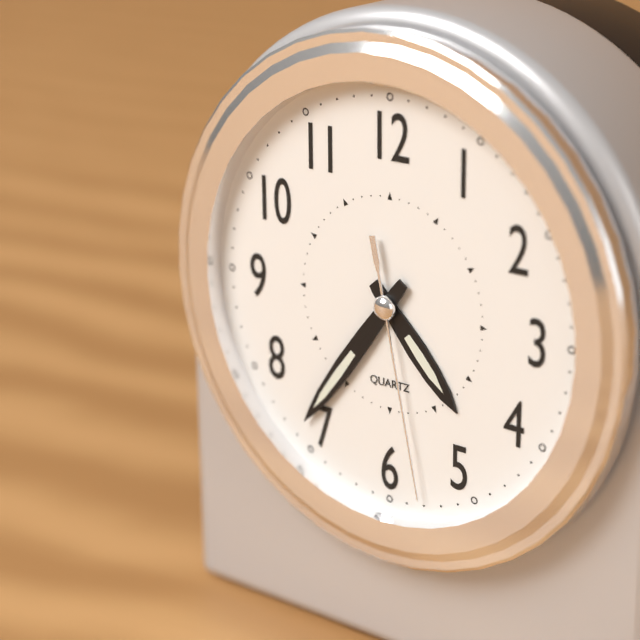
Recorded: h=4 m=36 s=28
